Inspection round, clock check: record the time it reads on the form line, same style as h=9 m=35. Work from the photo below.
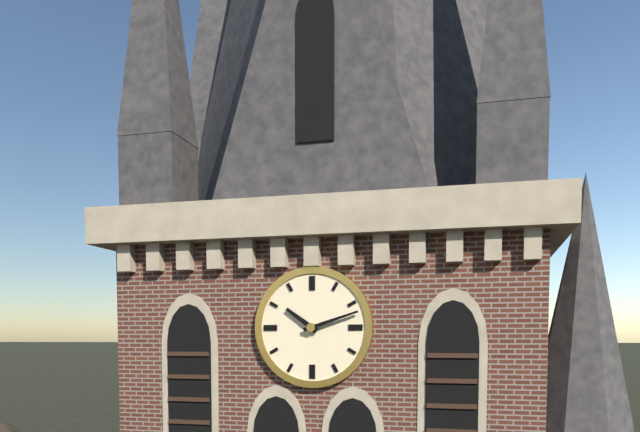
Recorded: h=10 m=12
